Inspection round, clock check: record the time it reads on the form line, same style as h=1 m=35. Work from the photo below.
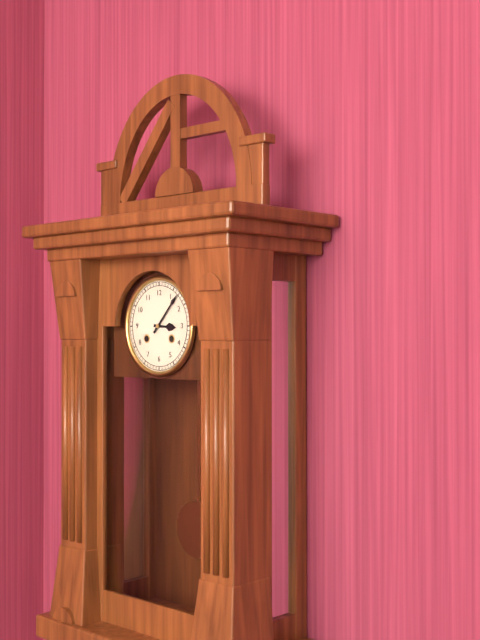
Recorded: h=3 m=7
